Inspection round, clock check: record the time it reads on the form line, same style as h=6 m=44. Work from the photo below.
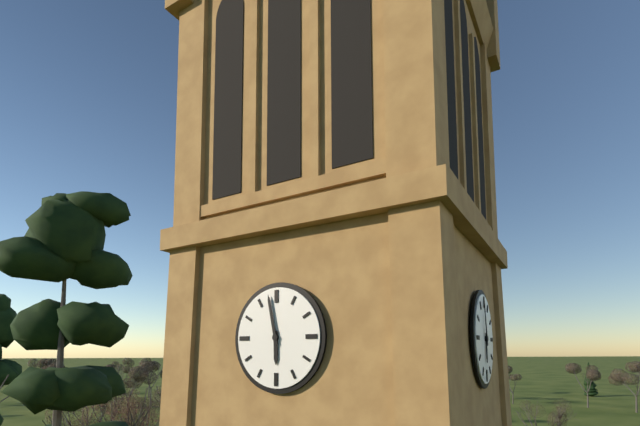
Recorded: h=5 m=58
